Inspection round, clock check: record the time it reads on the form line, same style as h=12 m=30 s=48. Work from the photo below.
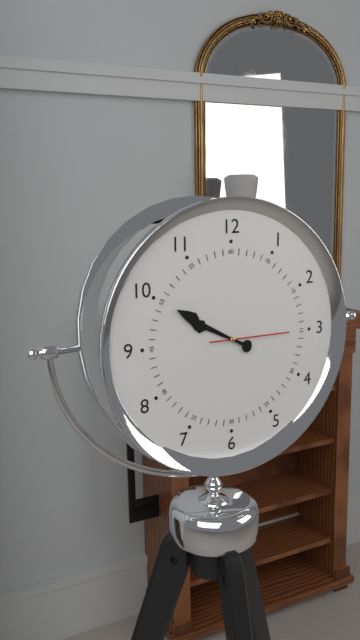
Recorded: h=9 m=50 s=15
